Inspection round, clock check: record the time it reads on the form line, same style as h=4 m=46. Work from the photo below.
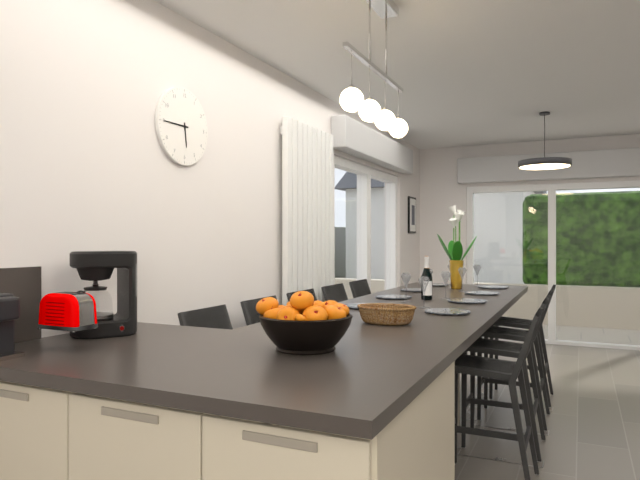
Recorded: h=5 m=45
